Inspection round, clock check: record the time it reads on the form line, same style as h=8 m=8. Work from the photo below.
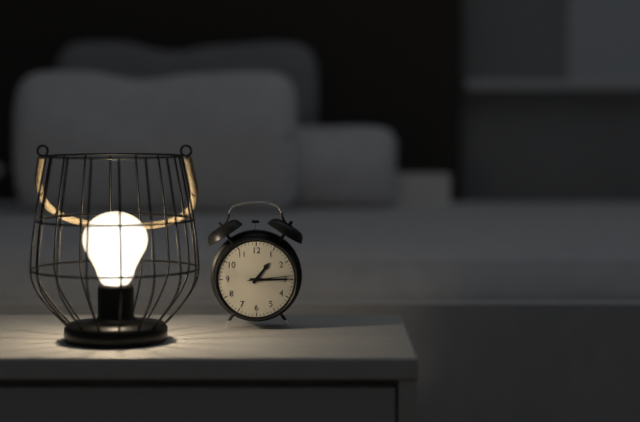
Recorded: h=1 m=15
